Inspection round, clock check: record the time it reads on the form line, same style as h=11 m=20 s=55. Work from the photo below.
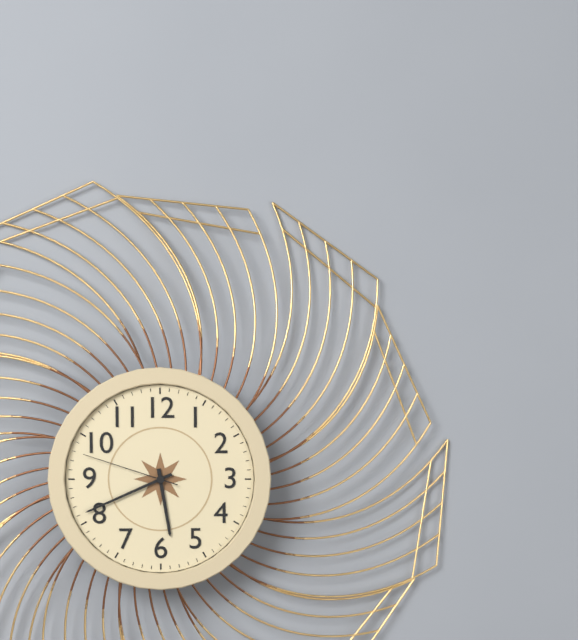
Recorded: h=5 m=41 s=48
